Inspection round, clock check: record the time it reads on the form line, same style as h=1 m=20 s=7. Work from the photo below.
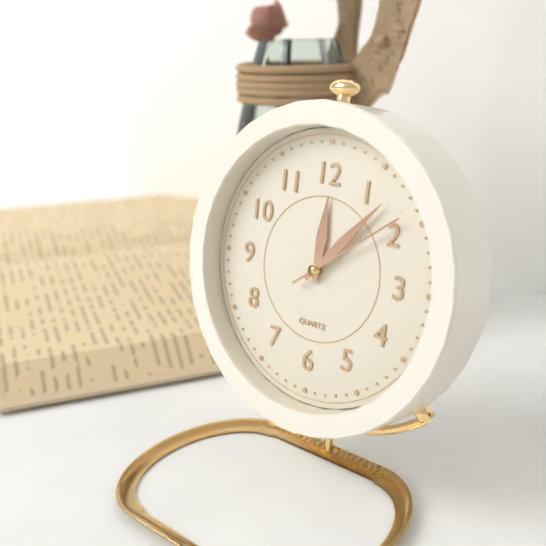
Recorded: h=12 m=7 s=9
